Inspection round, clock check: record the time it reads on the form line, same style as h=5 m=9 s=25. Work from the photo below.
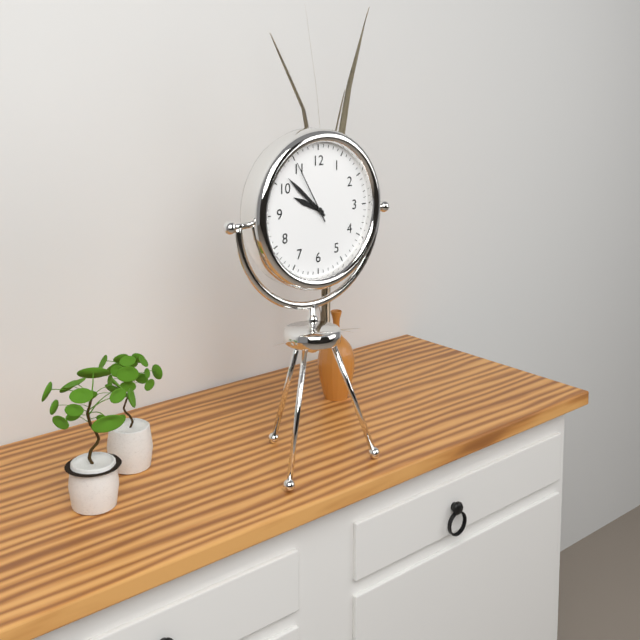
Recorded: h=9 m=52 s=55
